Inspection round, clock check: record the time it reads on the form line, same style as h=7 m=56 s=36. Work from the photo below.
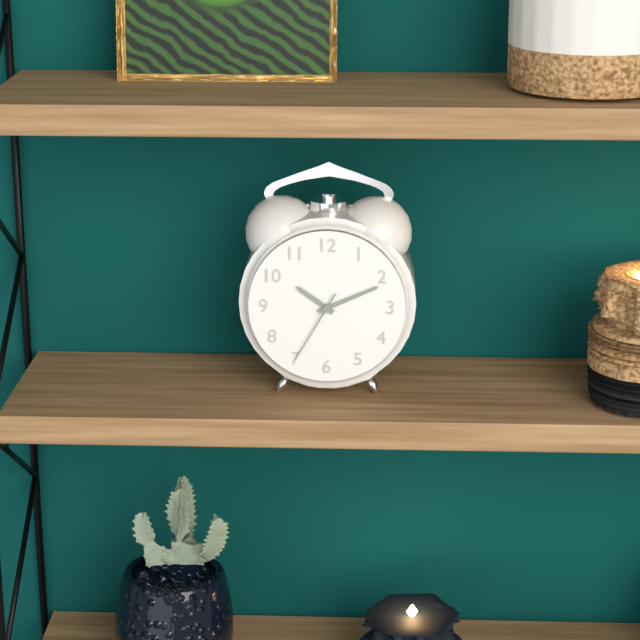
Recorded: h=10 m=11 s=35
